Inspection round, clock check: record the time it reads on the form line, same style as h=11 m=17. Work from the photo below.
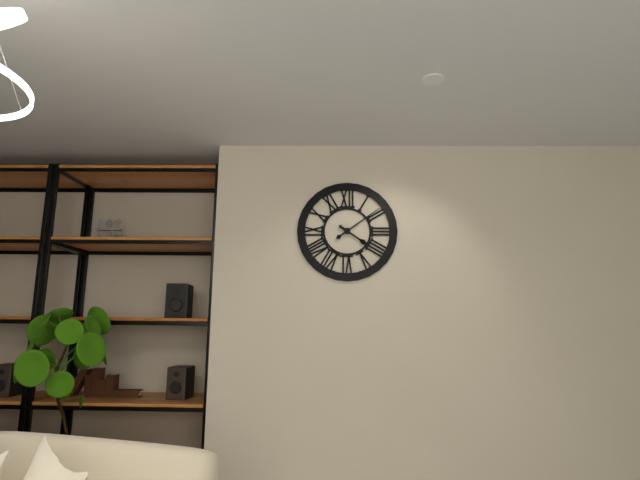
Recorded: h=4 m=9
